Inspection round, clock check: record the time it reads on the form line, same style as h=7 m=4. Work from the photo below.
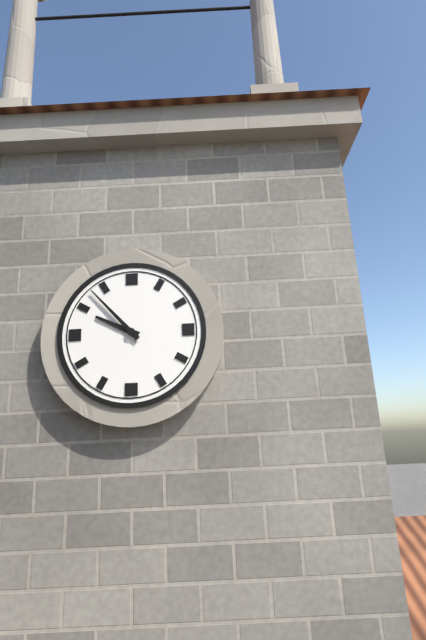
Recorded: h=9 m=53
